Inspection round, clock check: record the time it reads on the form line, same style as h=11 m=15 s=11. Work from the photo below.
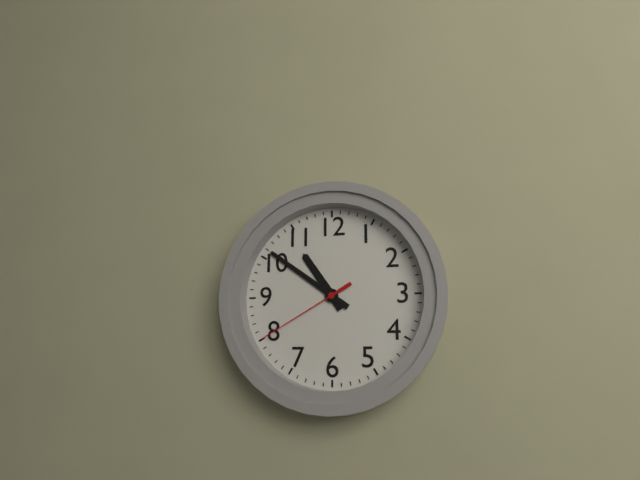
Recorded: h=10 m=51 s=40
